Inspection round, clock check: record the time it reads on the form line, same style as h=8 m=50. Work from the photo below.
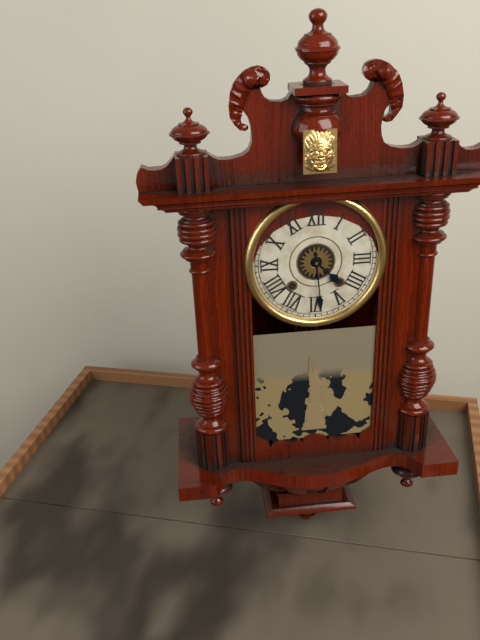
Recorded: h=4 m=29
